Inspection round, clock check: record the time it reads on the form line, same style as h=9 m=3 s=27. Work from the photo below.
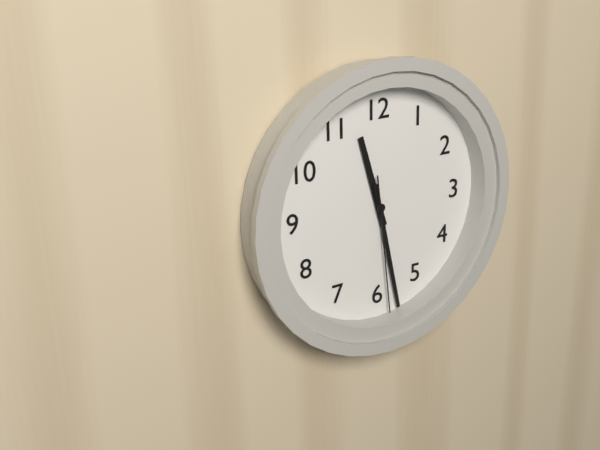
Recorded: h=11 m=28 s=29
